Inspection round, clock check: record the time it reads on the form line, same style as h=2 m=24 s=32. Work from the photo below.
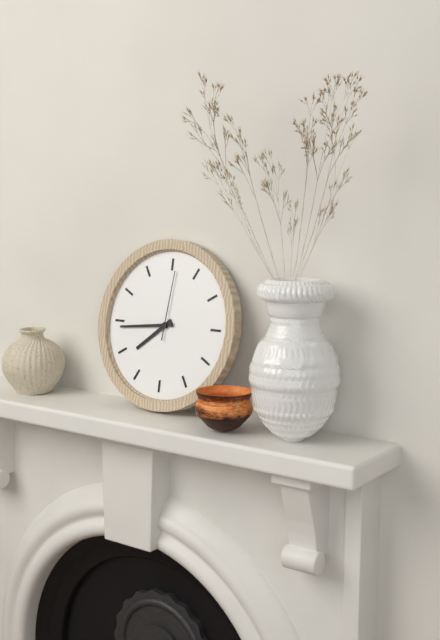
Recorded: h=7 m=44 s=1
